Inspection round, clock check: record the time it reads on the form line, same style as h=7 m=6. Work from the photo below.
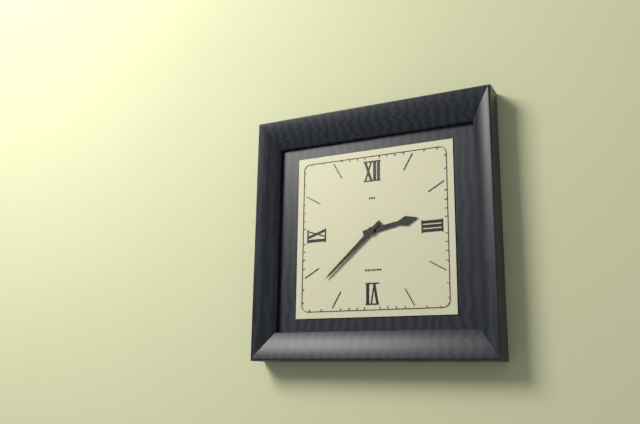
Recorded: h=2 m=38
